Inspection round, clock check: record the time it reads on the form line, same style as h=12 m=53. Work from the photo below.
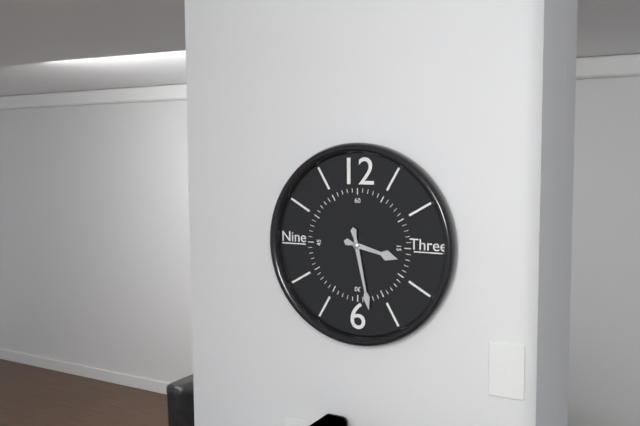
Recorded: h=3 m=28
